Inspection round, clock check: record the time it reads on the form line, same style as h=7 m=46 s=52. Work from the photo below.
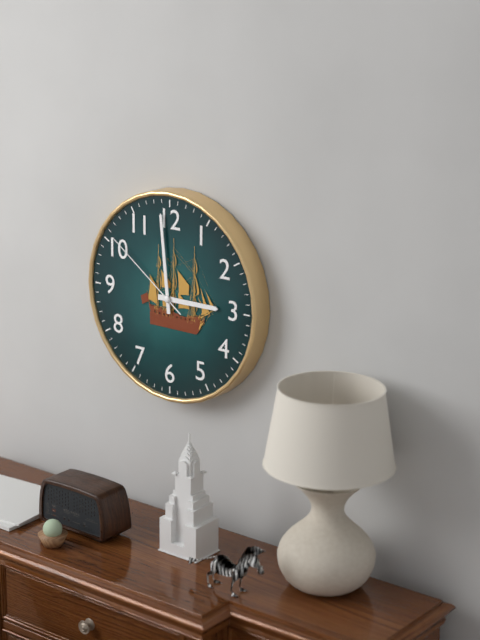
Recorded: h=2 m=59 s=51
